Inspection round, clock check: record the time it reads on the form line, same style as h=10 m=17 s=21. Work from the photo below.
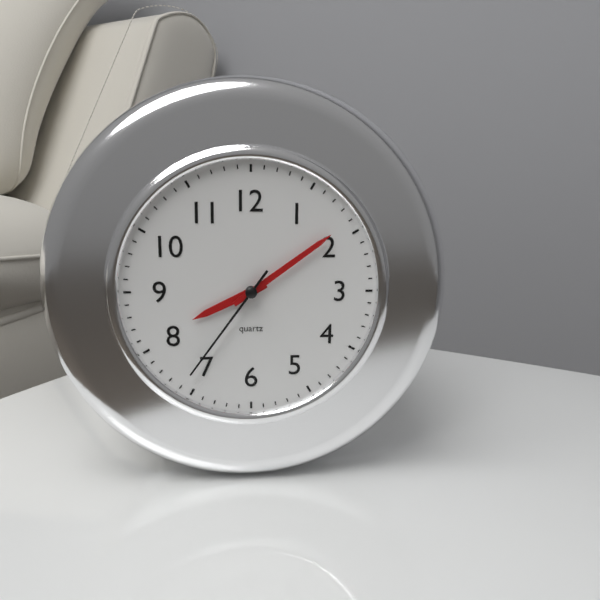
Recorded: h=8 m=9 s=36
